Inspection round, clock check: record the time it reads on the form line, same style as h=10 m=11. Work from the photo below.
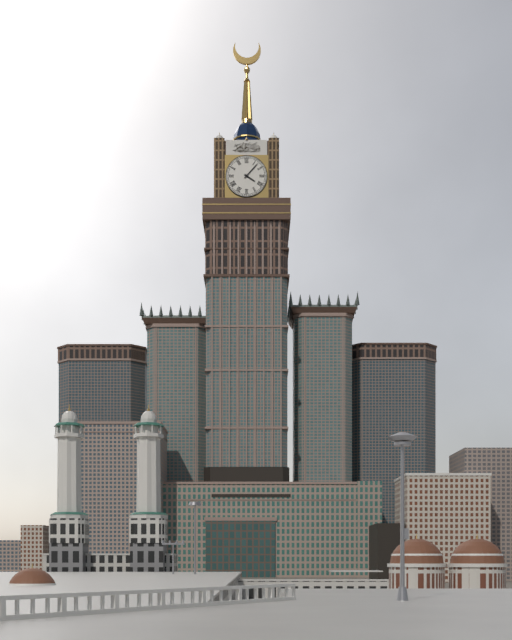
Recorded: h=4 m=7
